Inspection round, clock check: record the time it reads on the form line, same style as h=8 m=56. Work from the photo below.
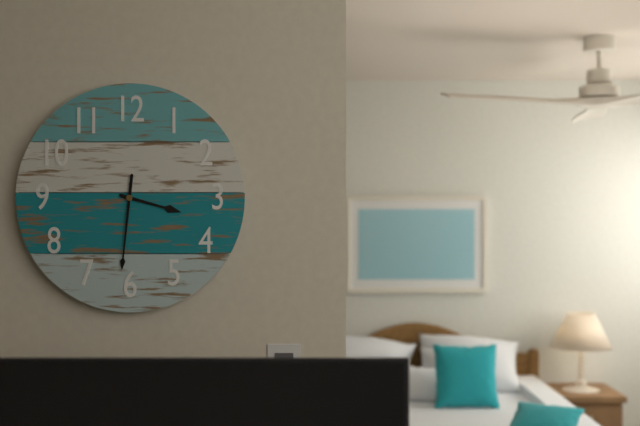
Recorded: h=3 m=31
